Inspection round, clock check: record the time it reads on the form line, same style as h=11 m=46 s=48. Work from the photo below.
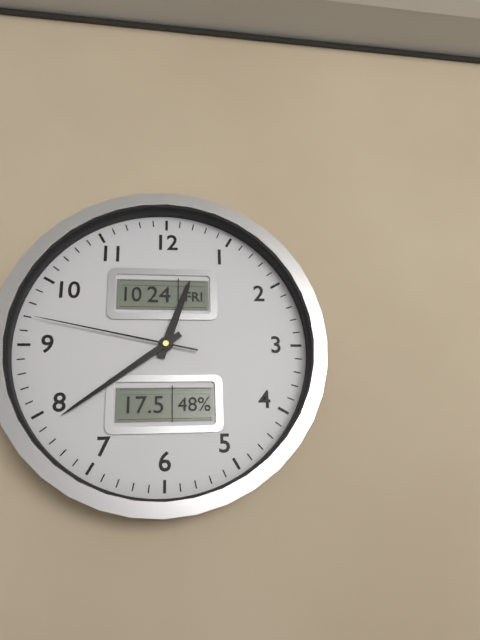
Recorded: h=12 m=39 s=47
